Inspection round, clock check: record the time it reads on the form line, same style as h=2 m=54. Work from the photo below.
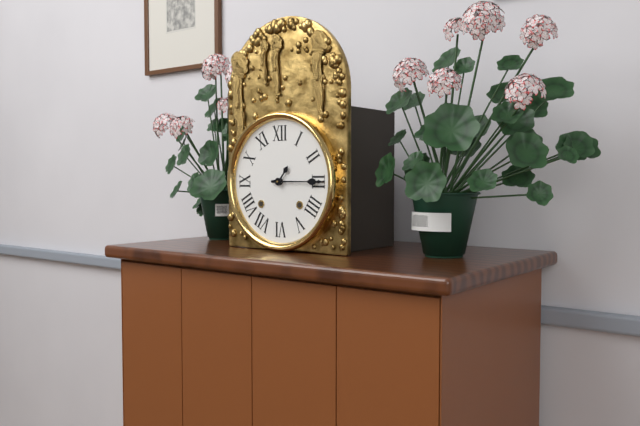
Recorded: h=1 m=15
